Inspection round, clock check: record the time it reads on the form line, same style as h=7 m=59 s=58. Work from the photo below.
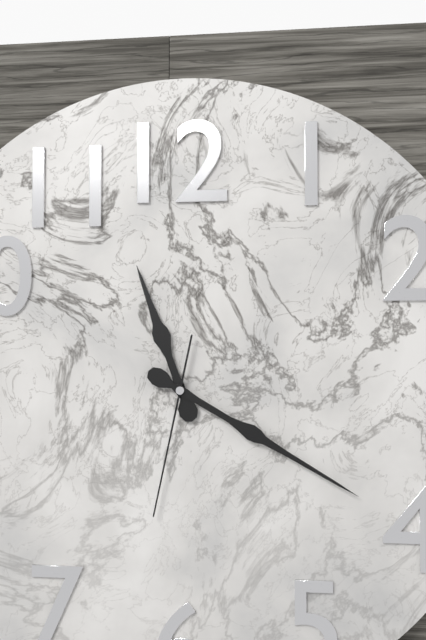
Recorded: h=11 m=20 s=32
